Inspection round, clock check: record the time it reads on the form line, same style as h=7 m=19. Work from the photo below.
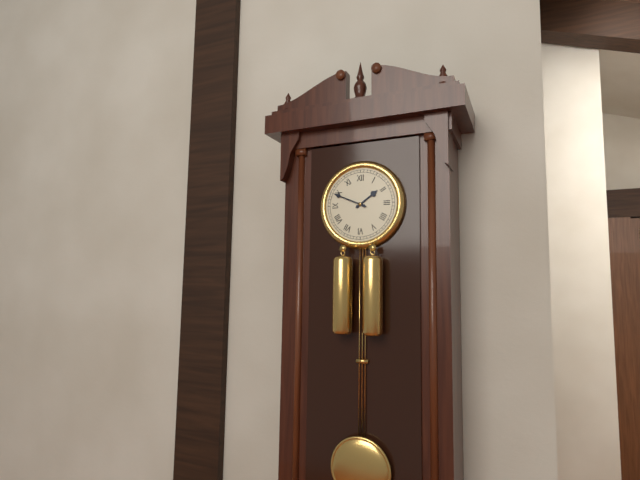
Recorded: h=1 m=49
